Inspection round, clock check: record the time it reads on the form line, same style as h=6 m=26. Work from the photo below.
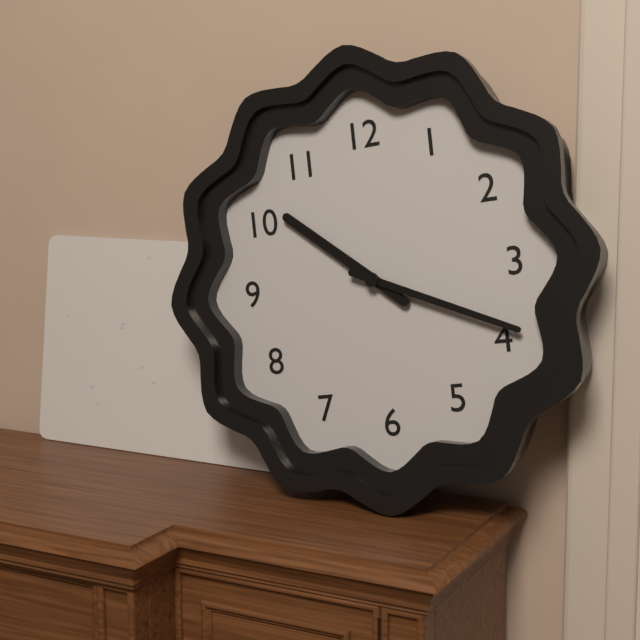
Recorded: h=10 m=19
